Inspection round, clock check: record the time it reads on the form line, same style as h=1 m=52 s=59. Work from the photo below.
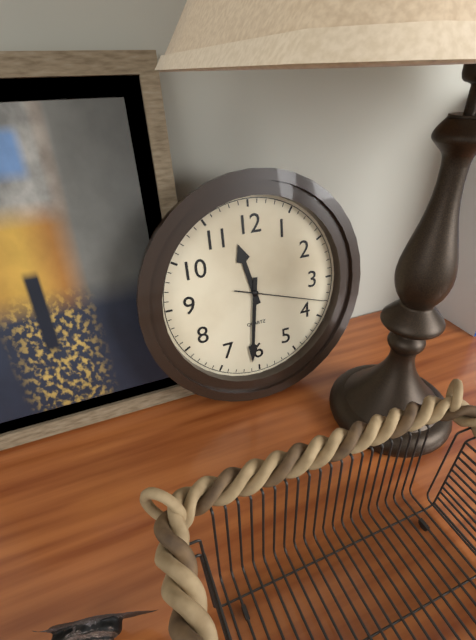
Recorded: h=11 m=31 s=18
